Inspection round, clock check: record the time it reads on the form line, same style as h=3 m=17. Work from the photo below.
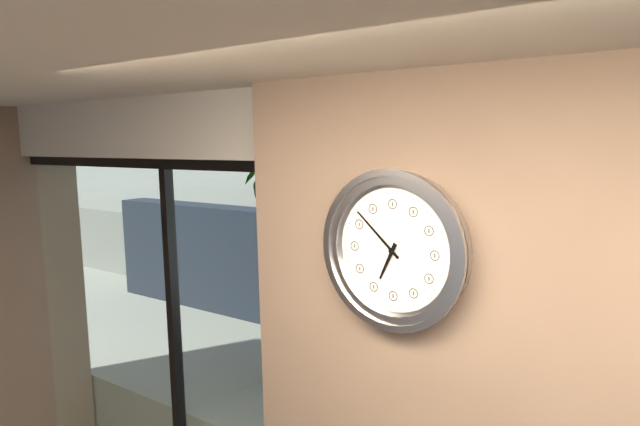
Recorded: h=6 m=52
